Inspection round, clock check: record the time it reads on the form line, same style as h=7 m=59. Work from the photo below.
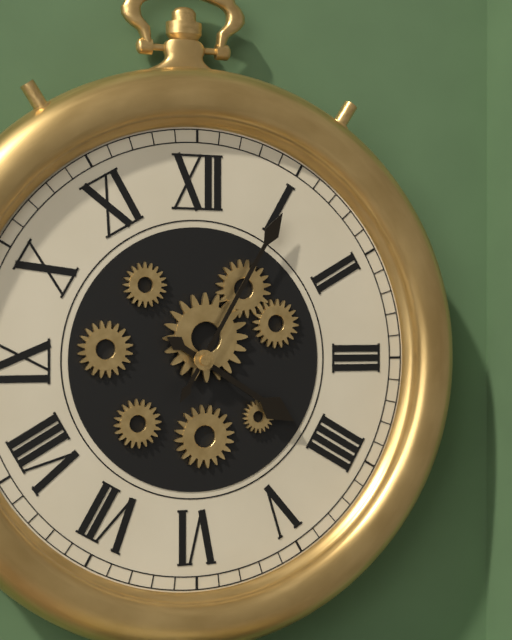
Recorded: h=4 m=5
